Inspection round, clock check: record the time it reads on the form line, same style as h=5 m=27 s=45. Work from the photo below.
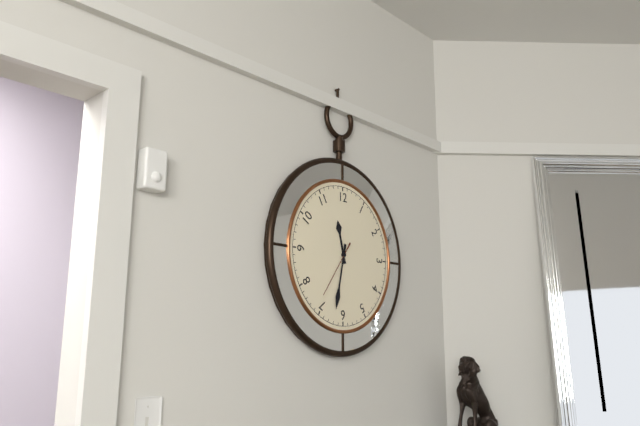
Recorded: h=11 m=32 s=36
